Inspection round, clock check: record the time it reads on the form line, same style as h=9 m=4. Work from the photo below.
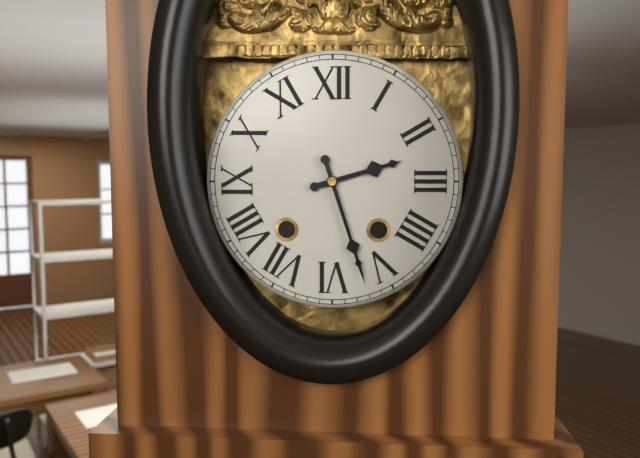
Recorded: h=2 m=27
